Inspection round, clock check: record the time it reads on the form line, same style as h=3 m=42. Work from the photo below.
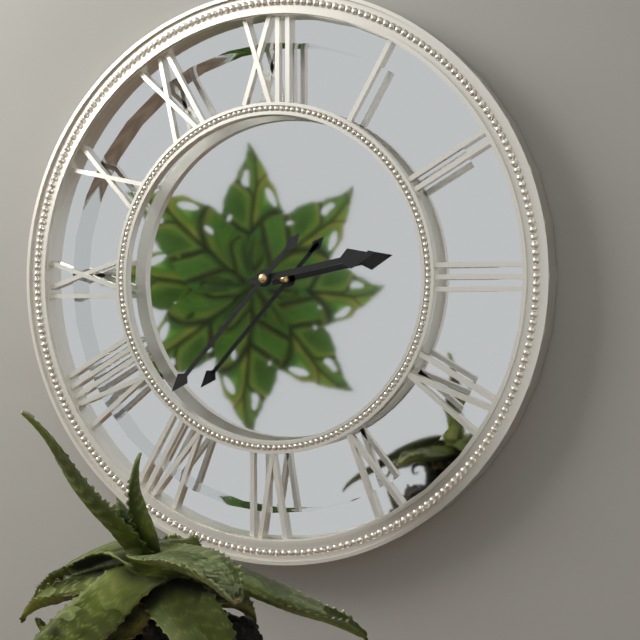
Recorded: h=2 m=37
